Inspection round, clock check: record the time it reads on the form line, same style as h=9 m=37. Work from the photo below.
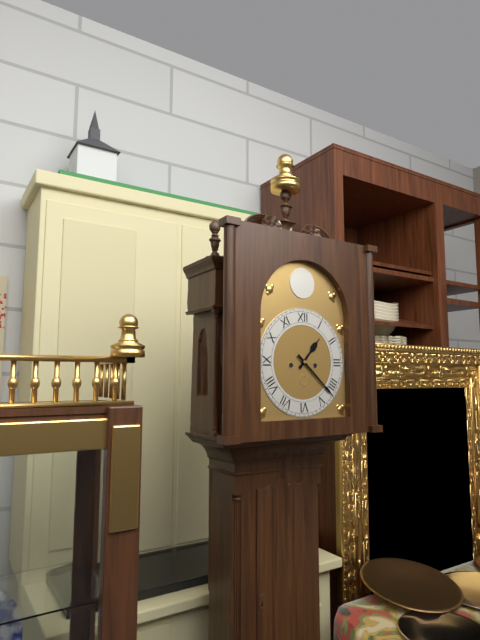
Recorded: h=1 m=22
